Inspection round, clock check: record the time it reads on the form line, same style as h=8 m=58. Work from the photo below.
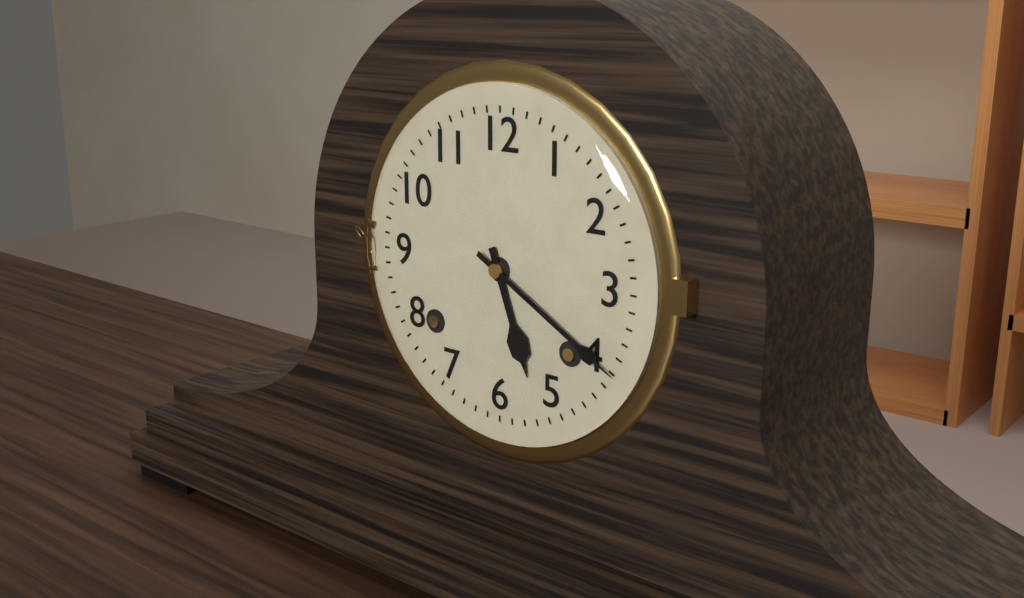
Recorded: h=5 m=20
